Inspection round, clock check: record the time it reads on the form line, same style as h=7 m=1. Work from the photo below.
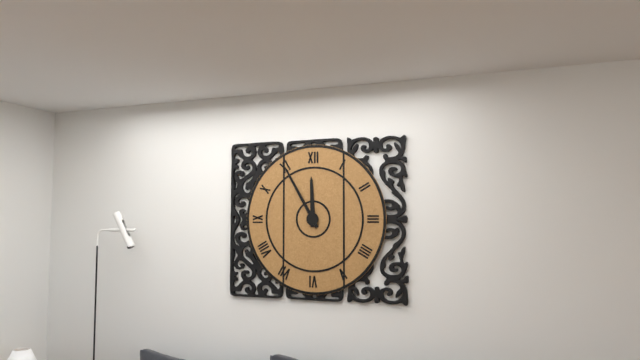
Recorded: h=11 m=55
